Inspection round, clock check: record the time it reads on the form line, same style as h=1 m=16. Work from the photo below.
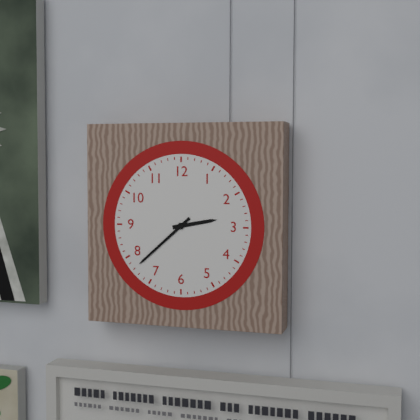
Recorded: h=2 m=38
